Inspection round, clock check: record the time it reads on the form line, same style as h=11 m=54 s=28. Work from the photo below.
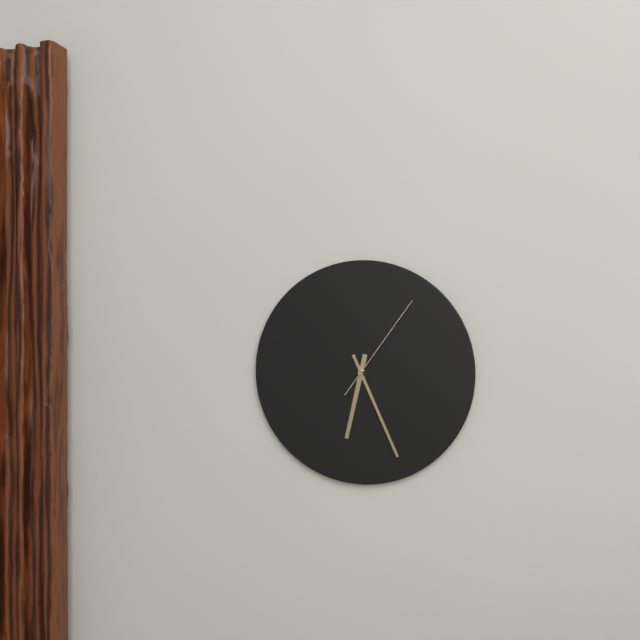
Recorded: h=6 m=26 s=6
